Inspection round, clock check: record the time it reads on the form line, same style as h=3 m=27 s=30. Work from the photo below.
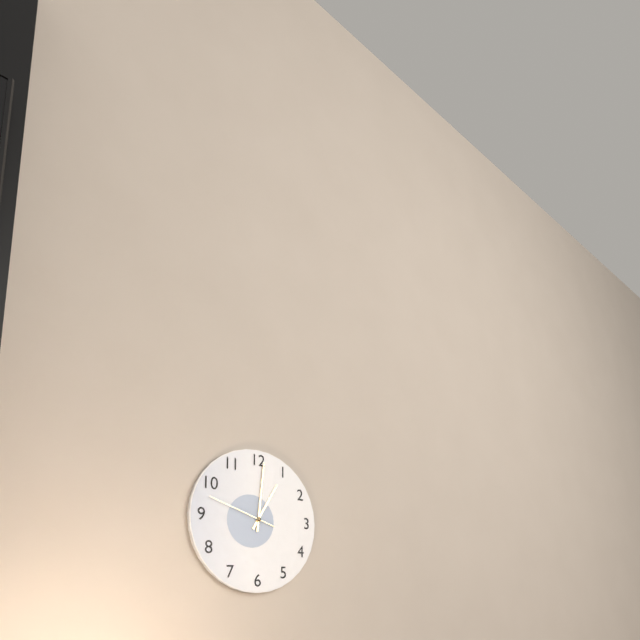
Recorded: h=1 m=1 s=48
